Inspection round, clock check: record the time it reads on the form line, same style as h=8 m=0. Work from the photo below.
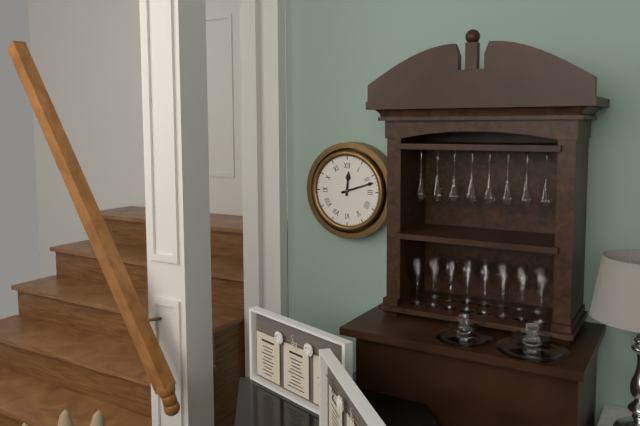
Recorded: h=12 m=12
